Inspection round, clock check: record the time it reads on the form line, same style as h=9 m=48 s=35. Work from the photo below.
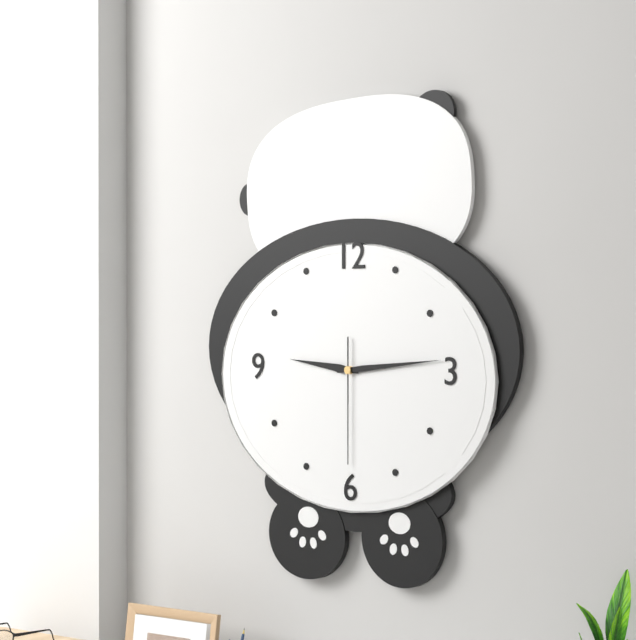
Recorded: h=9 m=14 s=30
